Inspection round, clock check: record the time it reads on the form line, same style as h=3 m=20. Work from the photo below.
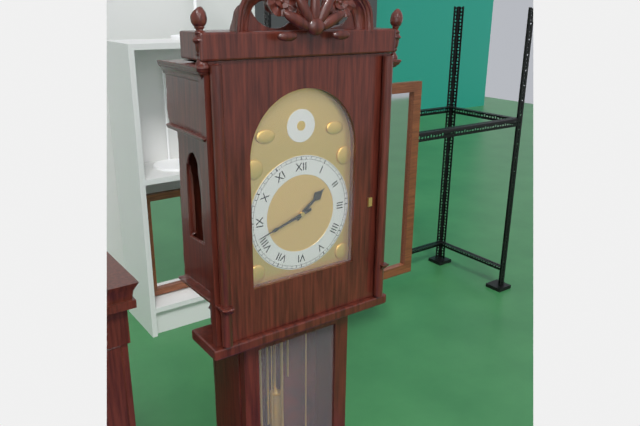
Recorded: h=1 m=42
